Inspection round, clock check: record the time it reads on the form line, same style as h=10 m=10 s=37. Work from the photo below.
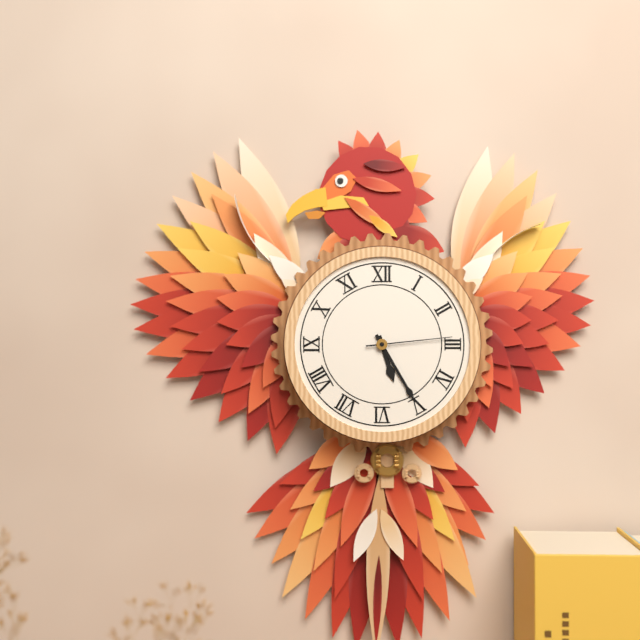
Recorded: h=5 m=25 s=14
